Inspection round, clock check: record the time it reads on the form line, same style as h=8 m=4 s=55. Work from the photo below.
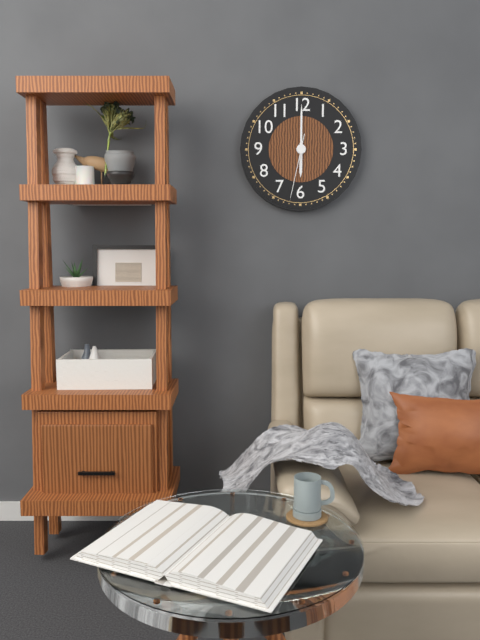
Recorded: h=6 m=0 s=32
